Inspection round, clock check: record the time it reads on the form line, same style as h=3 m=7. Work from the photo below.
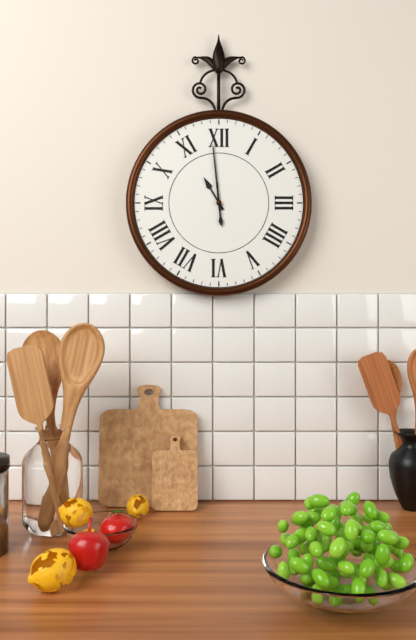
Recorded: h=10 m=59
